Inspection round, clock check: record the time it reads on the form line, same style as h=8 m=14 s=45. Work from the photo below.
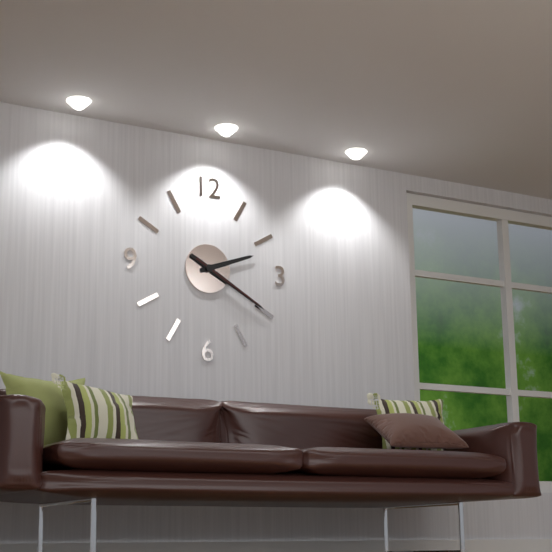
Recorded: h=2 m=20 s=20
